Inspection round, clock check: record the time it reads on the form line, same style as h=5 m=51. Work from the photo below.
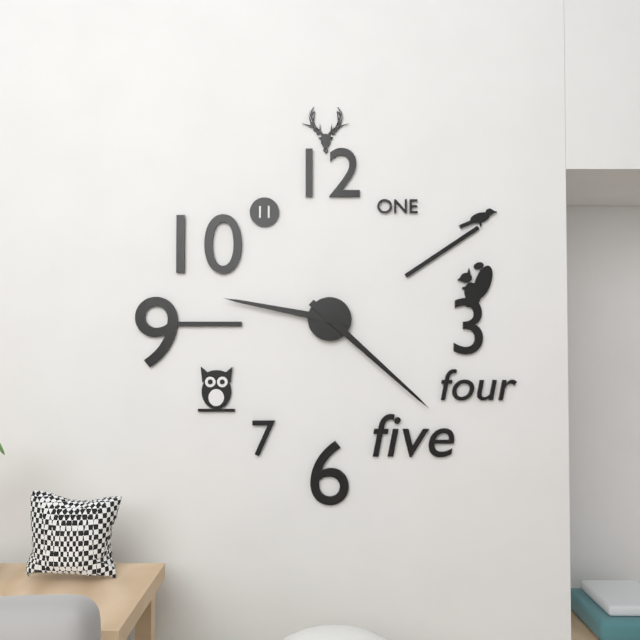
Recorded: h=9 m=22
